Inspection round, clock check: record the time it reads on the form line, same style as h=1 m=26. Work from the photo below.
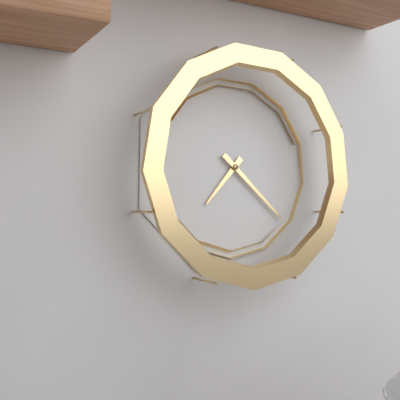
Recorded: h=7 m=22
